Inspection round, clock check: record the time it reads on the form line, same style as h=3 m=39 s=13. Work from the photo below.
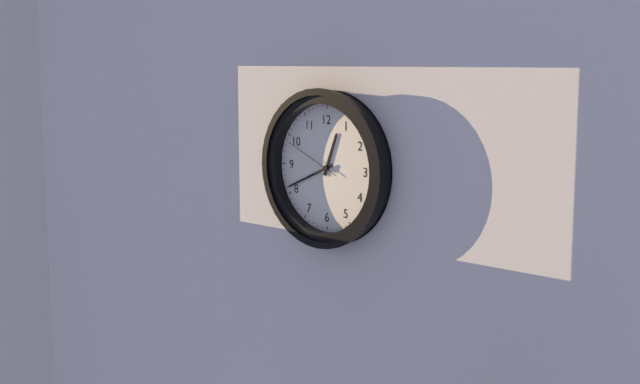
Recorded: h=12 m=41 s=49
